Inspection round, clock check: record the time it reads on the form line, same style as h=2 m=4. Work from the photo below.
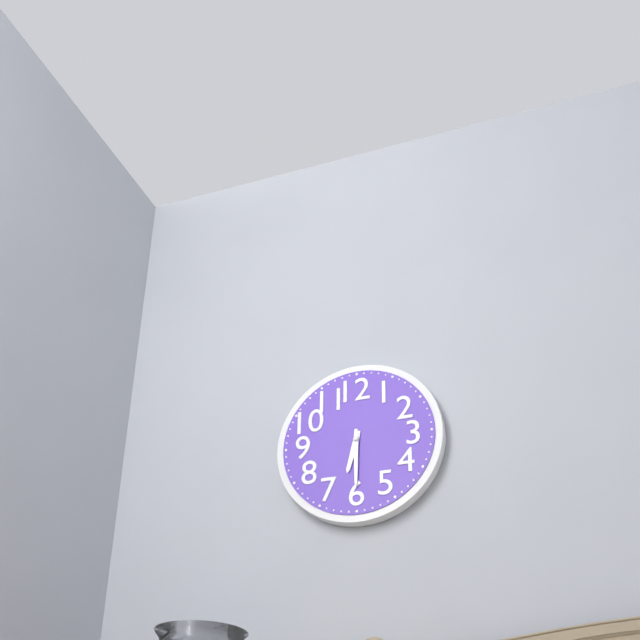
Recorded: h=6 m=30
